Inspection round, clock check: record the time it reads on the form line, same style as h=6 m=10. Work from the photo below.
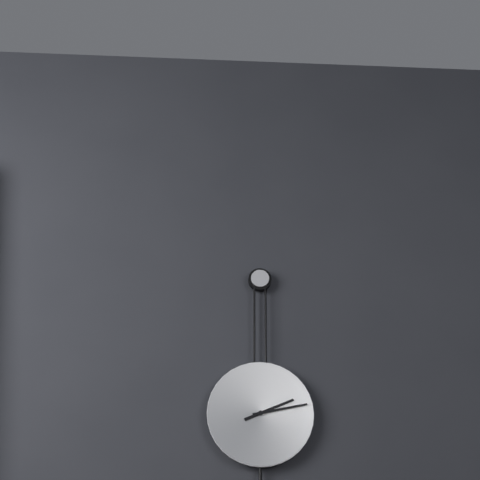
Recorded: h=2 m=13
